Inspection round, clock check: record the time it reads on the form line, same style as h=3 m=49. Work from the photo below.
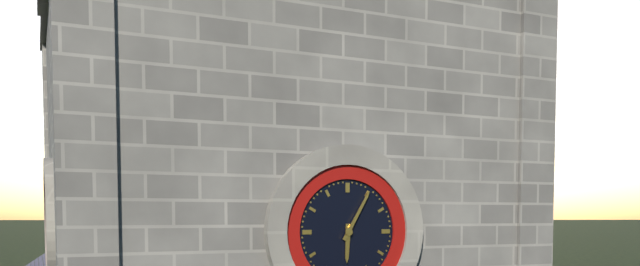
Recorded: h=6 m=5
